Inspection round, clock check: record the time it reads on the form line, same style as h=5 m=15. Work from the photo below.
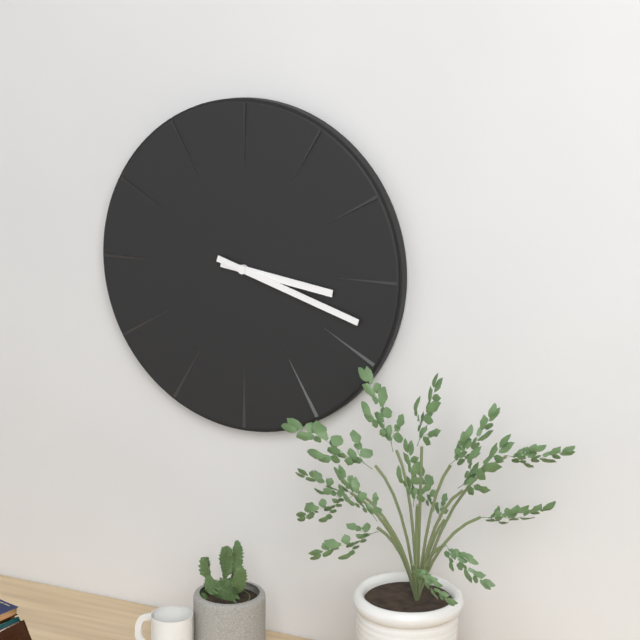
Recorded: h=3 m=18
